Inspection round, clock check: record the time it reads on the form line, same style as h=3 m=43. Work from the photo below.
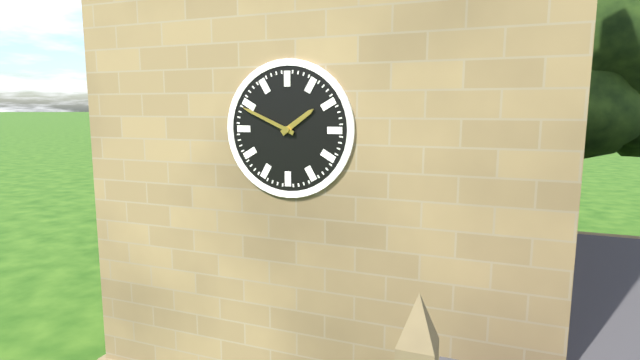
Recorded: h=1 m=49
